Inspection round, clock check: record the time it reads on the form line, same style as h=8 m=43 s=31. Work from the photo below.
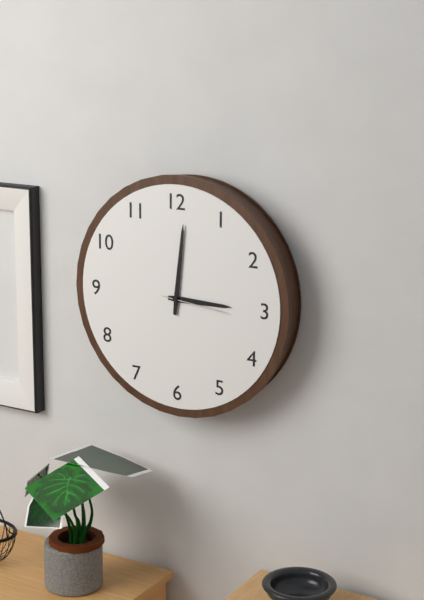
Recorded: h=3 m=1 s=16
